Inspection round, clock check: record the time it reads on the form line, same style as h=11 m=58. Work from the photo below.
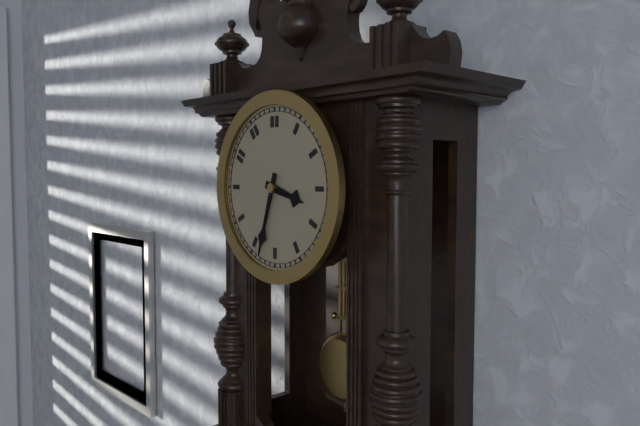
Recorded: h=3 m=33
